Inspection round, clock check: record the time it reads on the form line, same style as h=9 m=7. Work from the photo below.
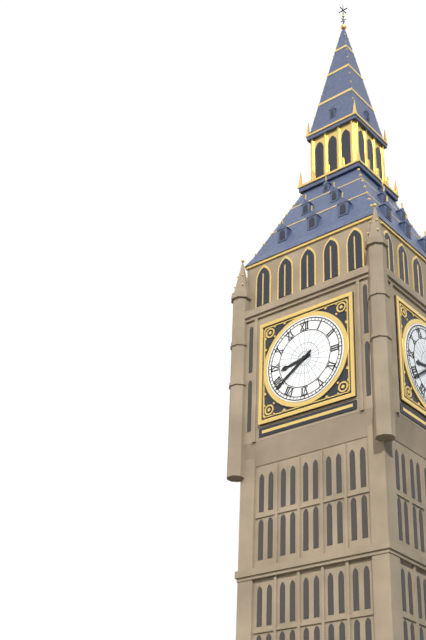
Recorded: h=8 m=39
